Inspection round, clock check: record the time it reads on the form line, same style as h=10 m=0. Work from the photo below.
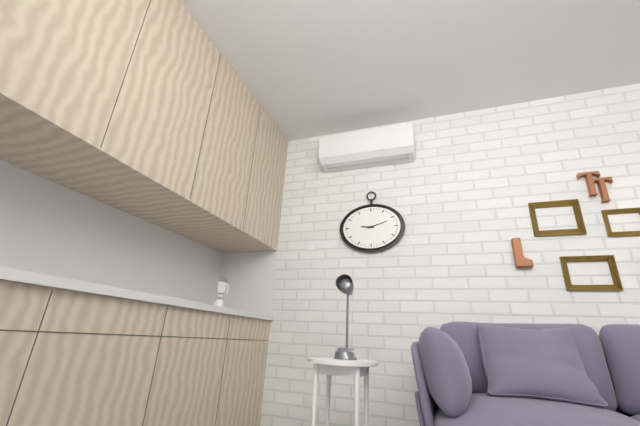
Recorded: h=9 m=12
